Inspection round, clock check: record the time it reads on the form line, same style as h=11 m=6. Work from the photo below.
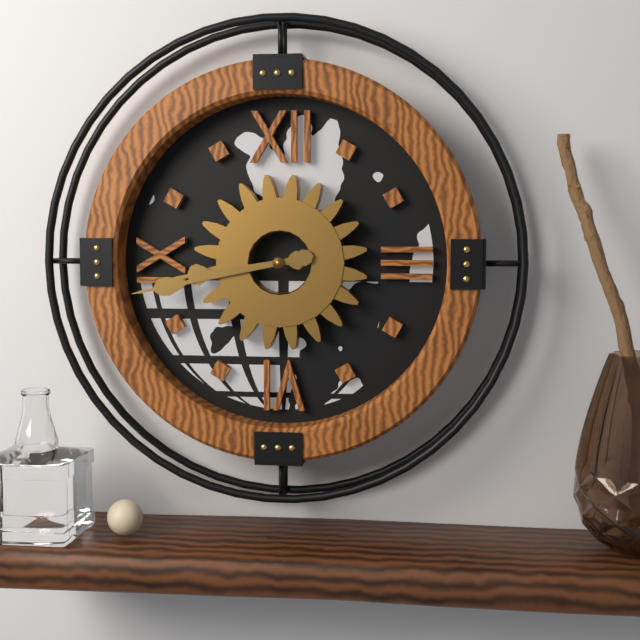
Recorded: h=8 m=43
